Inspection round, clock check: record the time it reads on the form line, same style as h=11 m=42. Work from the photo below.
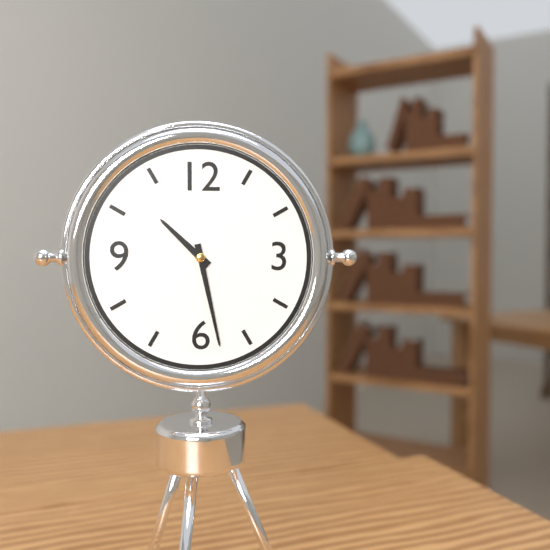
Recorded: h=10 m=28
